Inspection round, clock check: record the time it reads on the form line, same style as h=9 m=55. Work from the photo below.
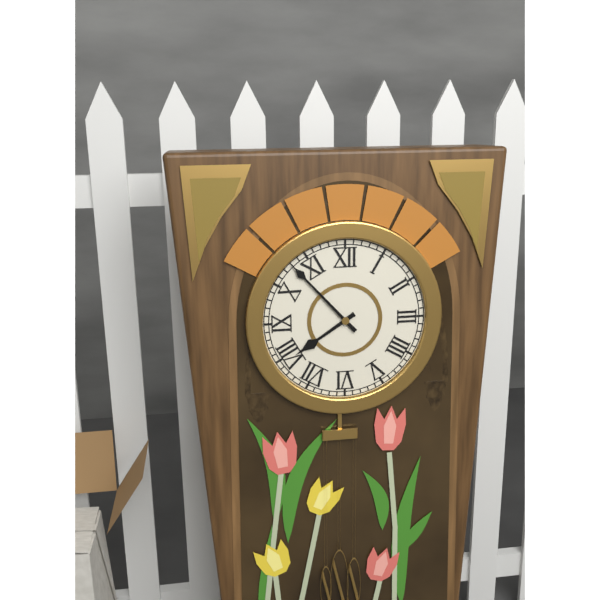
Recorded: h=7 m=53
